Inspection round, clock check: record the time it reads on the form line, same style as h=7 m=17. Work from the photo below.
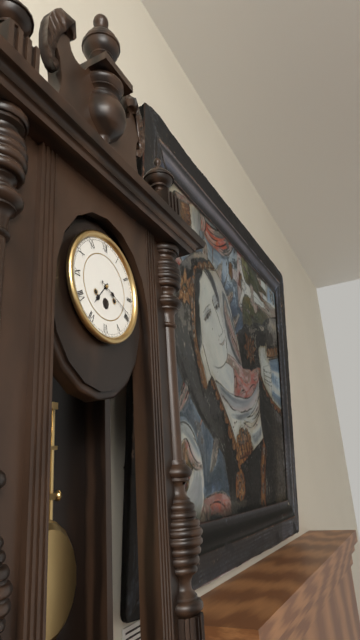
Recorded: h=7 m=19
